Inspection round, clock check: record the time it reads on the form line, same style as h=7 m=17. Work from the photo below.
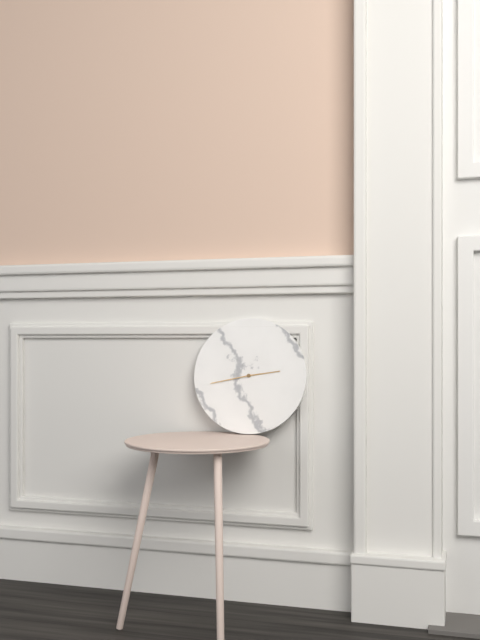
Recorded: h=2 m=43
